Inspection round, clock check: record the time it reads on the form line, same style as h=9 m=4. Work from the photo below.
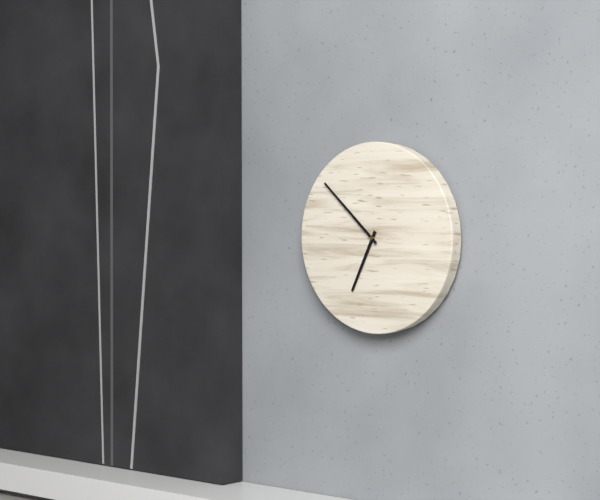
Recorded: h=6 m=52
